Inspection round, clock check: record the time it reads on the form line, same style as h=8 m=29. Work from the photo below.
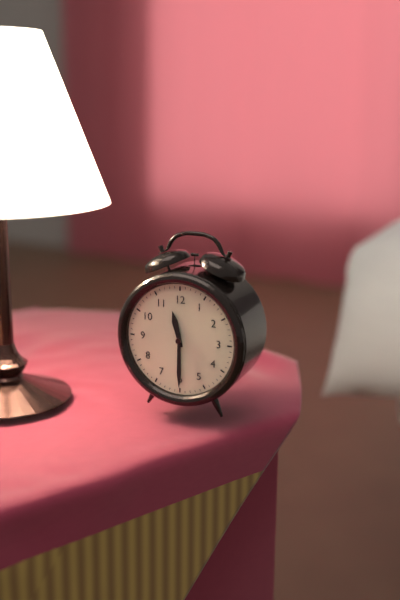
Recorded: h=11 m=30
